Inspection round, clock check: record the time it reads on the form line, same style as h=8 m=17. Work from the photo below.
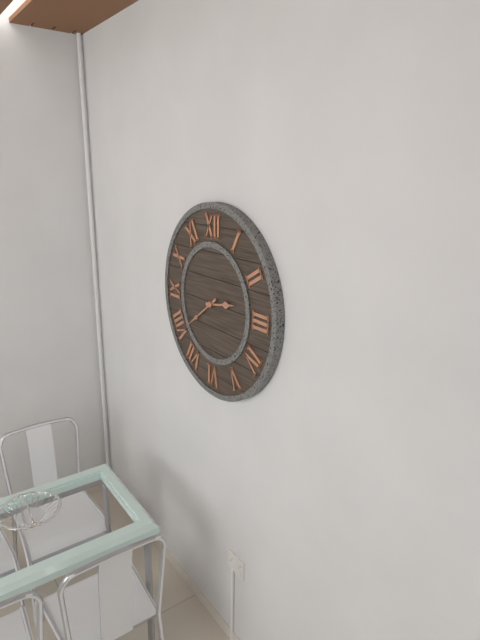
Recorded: h=2 m=39
